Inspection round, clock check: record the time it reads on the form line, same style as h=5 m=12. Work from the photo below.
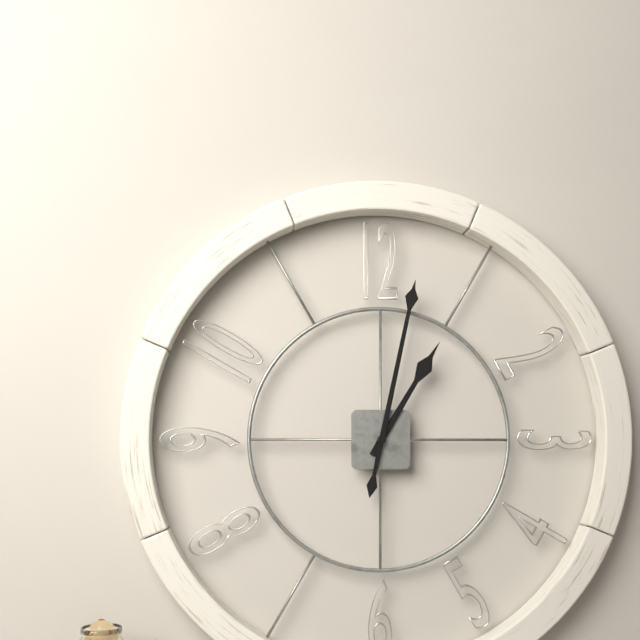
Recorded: h=1 m=2
